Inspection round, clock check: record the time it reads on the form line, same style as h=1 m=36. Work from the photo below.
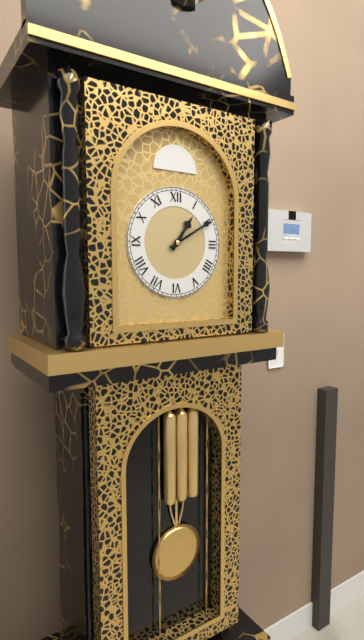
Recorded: h=1 m=10
